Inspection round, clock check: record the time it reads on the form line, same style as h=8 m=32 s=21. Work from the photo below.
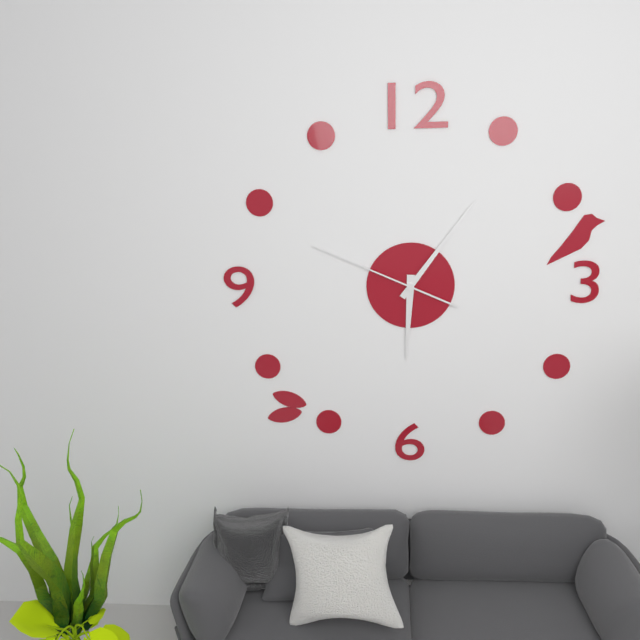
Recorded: h=6 m=6 s=49
